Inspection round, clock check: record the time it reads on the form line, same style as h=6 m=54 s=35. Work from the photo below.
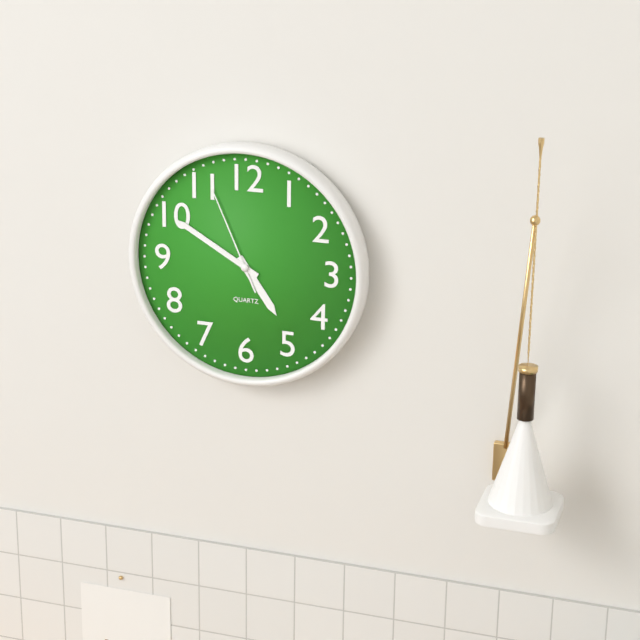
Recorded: h=4 m=50 s=56
